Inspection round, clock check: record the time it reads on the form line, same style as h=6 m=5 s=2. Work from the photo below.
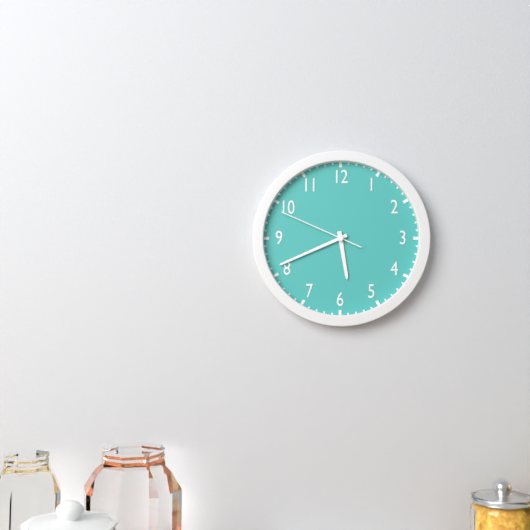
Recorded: h=5 m=41 s=49
